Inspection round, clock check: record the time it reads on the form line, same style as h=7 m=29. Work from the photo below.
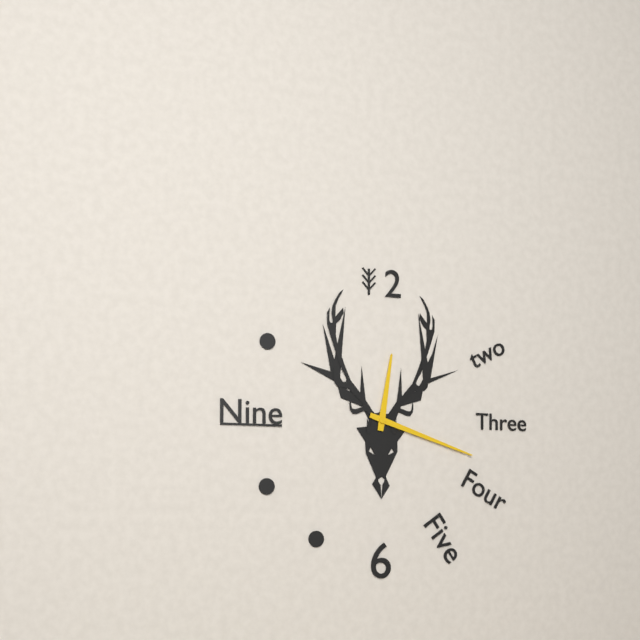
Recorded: h=12 m=18
